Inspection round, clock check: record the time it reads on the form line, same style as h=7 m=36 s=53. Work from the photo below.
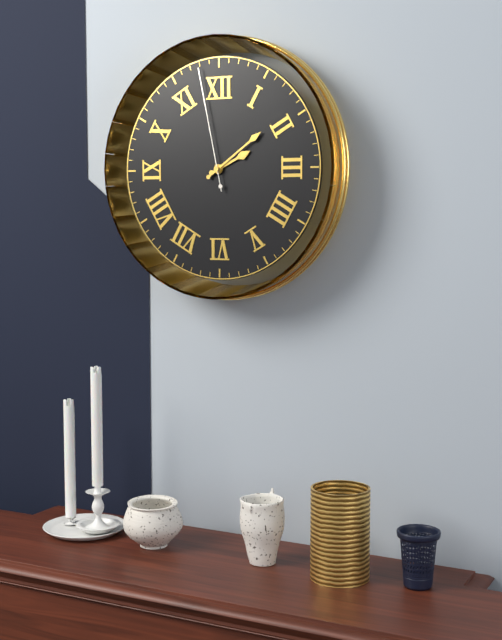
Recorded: h=2 m=9 s=58
